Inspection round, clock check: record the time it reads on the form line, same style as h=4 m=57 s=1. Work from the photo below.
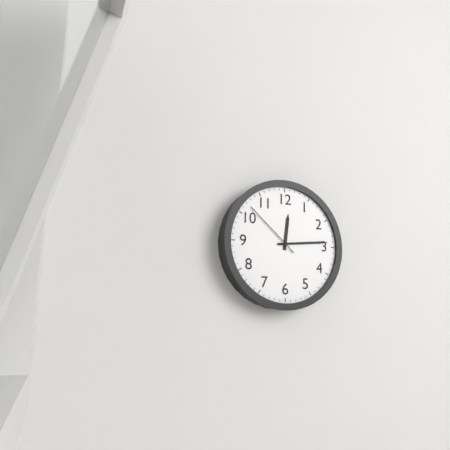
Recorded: h=12 m=14 s=52
